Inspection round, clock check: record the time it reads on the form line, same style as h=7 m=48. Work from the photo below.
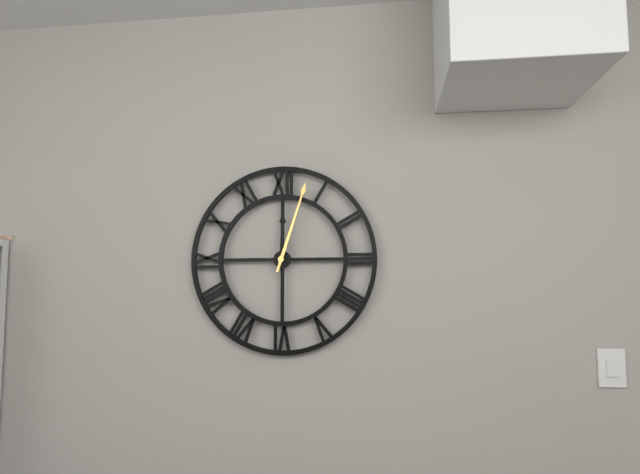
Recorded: h=12 m=3
